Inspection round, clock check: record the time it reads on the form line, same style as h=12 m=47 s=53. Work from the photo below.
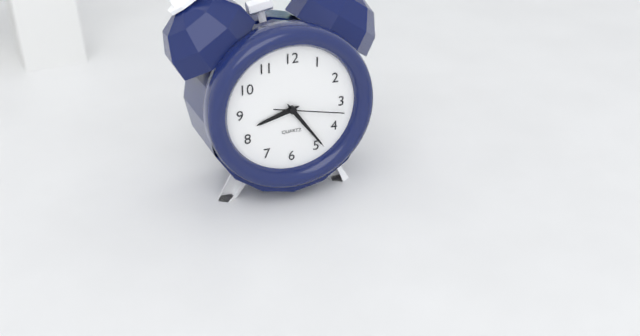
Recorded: h=8 m=24 s=17
